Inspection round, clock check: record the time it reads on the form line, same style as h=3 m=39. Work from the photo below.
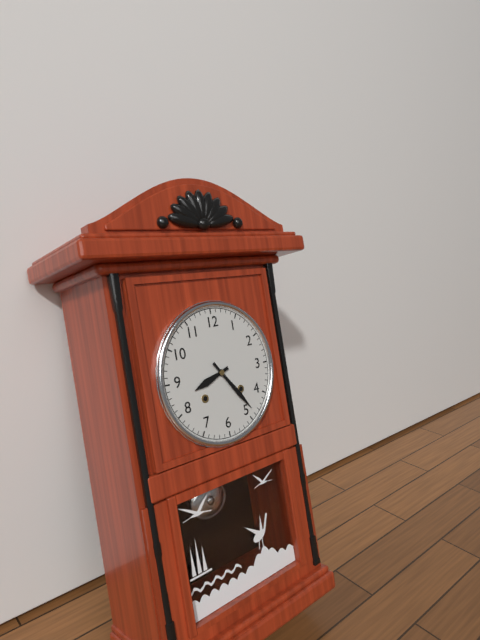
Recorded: h=8 m=24
